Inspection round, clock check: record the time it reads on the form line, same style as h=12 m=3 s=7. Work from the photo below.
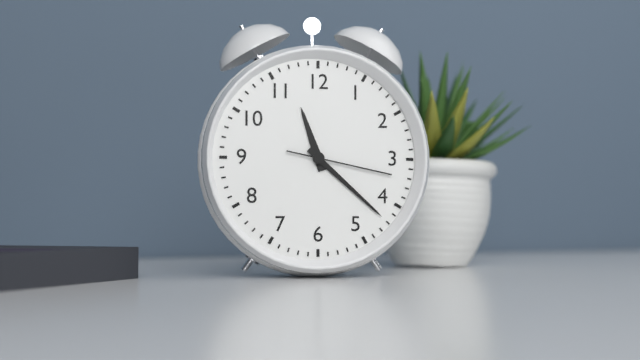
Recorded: h=11 m=22 s=17
